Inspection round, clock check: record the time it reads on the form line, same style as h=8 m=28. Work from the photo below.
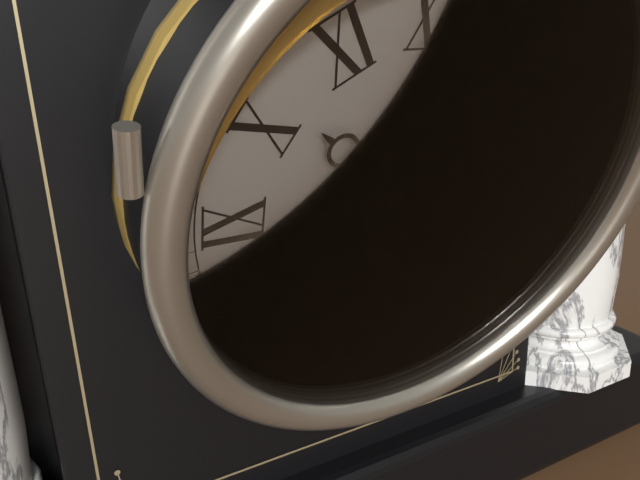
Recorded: h=10 m=17
